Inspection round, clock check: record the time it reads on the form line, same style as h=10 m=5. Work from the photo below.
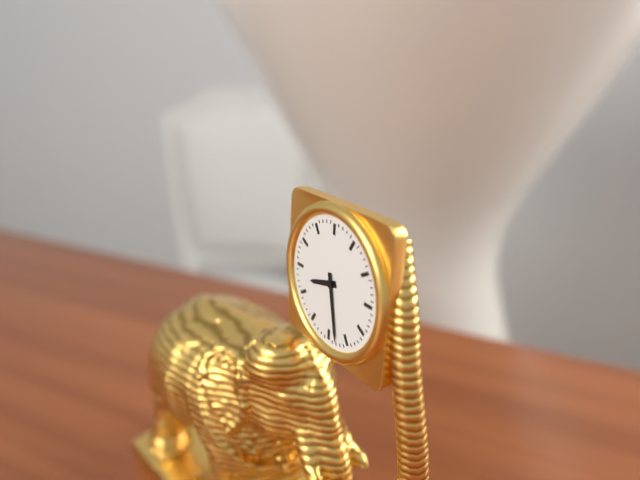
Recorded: h=8 m=28
